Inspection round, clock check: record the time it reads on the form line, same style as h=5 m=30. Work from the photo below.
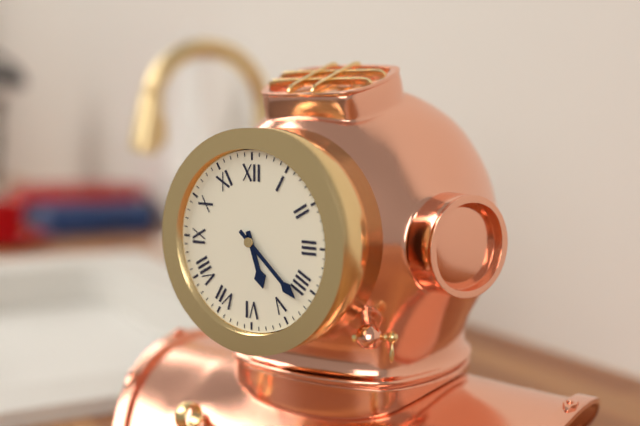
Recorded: h=5 m=22
